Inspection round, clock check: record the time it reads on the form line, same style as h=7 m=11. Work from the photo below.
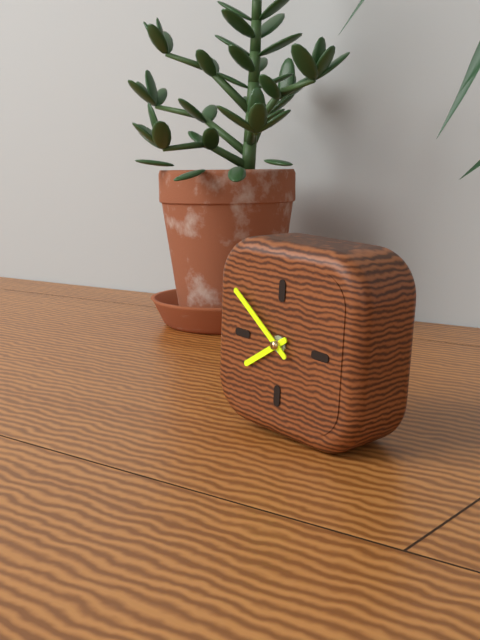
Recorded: h=7 m=51
